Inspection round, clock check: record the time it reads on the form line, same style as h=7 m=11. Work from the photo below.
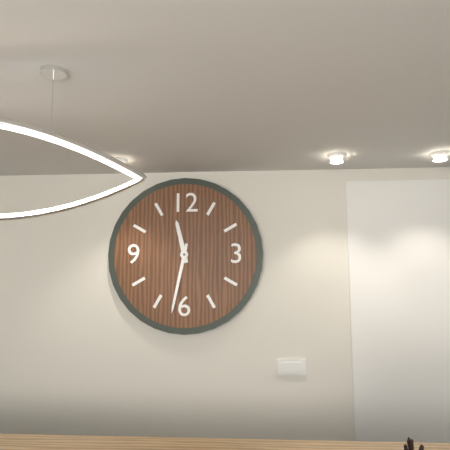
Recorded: h=11 m=32
